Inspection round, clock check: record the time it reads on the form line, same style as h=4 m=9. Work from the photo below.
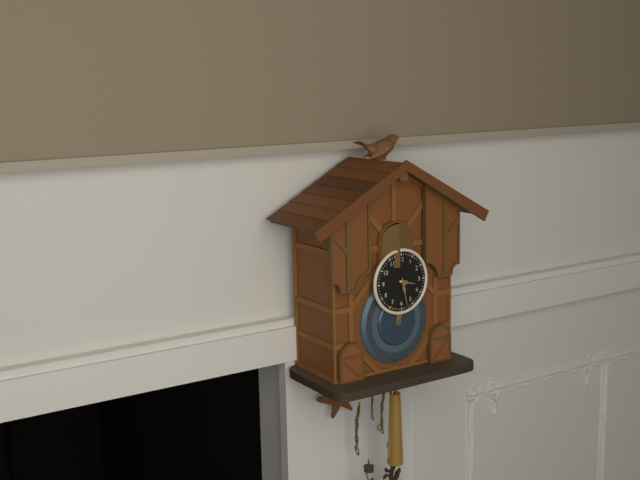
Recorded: h=3 m=28
